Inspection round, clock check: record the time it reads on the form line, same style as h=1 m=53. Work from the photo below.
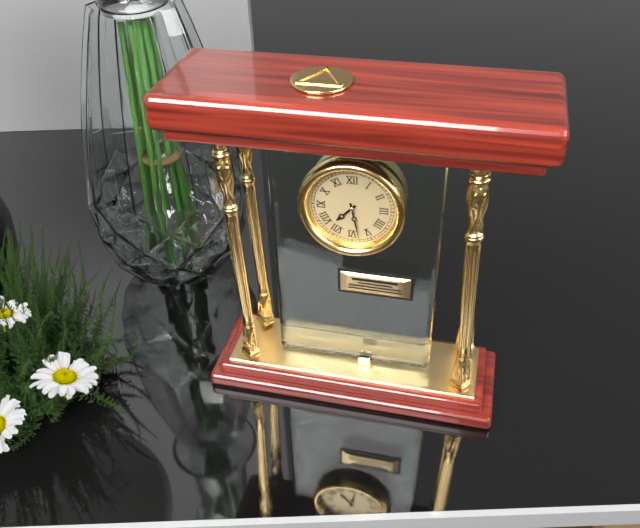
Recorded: h=7 m=28
